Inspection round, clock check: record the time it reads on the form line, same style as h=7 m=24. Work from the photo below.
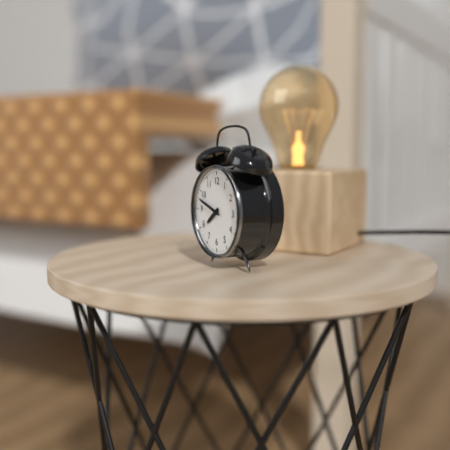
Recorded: h=7 m=48
